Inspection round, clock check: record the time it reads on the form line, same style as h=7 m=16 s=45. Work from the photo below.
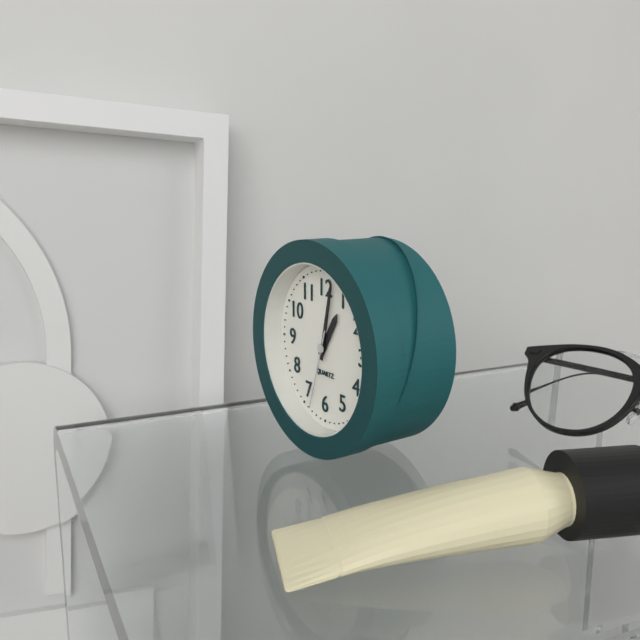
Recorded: h=1 m=2 s=33
